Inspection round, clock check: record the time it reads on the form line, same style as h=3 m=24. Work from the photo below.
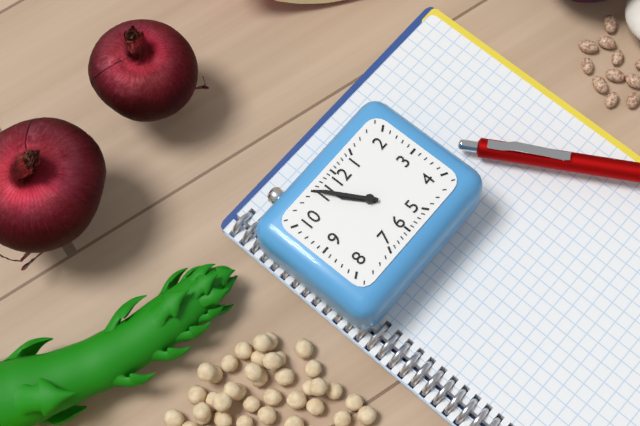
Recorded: h=10 m=55
